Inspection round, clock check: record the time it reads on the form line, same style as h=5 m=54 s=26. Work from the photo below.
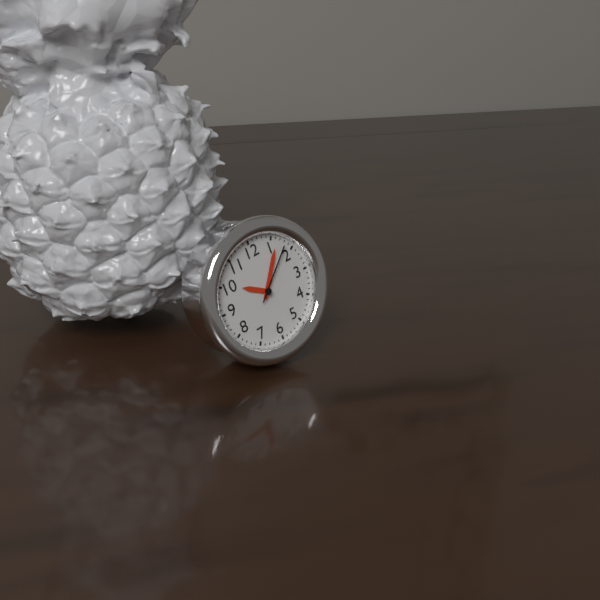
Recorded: h=10 m=6 s=8
